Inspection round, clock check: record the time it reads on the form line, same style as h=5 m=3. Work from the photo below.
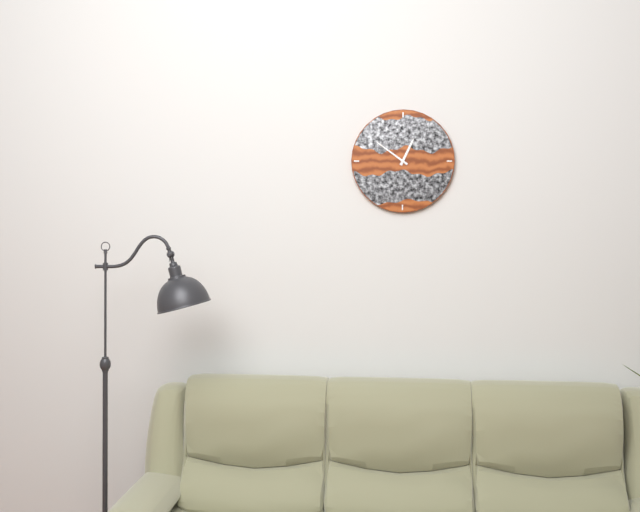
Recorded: h=12 m=51
